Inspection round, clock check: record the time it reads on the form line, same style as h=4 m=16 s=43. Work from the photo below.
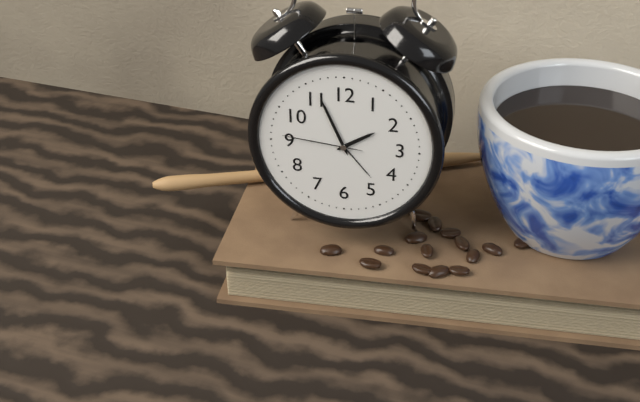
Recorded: h=1 m=56 s=46
